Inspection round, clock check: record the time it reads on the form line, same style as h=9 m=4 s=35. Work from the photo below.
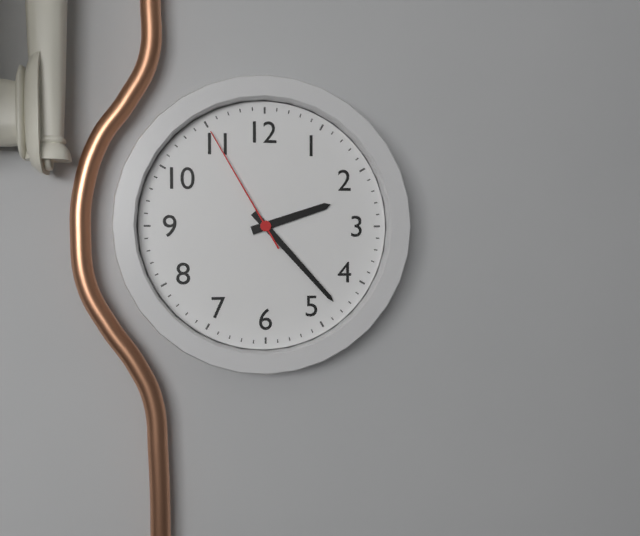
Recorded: h=2 m=23 s=55
